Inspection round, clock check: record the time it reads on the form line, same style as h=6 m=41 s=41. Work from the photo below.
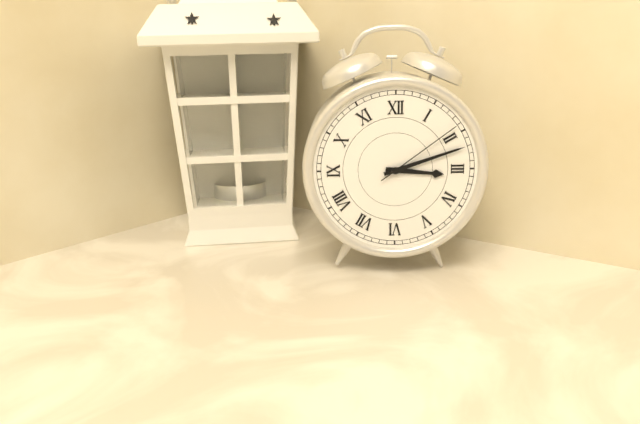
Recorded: h=3 m=12 s=9
